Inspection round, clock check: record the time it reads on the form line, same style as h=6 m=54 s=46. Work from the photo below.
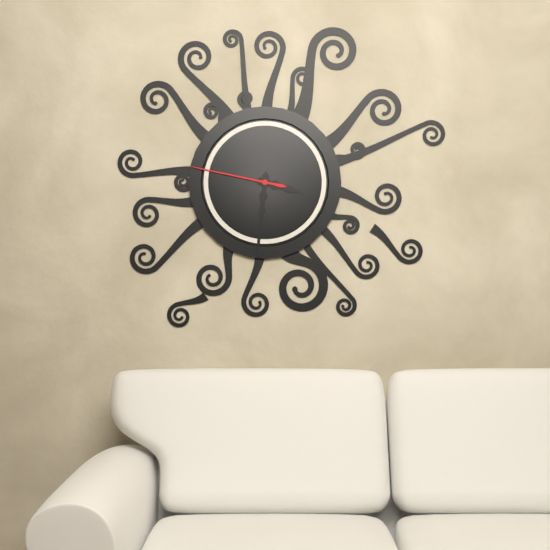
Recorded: h=3 m=31 s=47
